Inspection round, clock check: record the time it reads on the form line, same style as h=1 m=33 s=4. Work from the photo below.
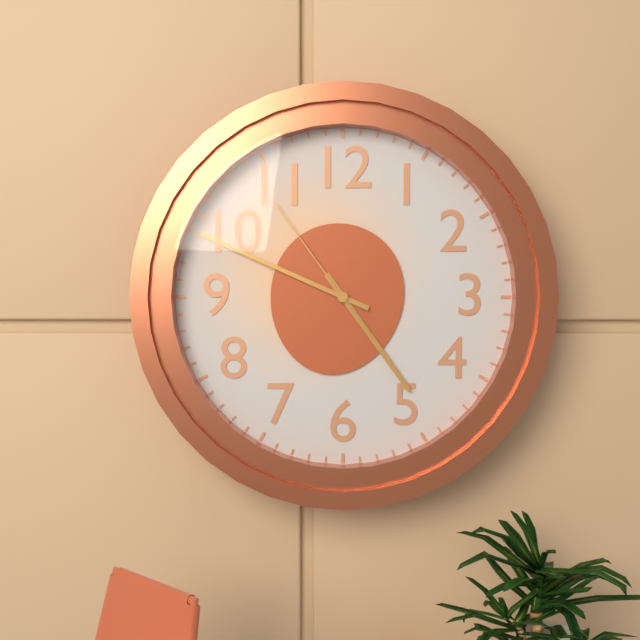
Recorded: h=4 m=49 s=54
